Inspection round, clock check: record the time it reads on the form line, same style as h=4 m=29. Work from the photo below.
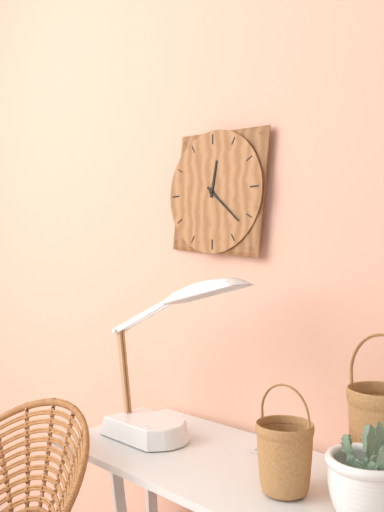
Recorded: h=12 m=22
